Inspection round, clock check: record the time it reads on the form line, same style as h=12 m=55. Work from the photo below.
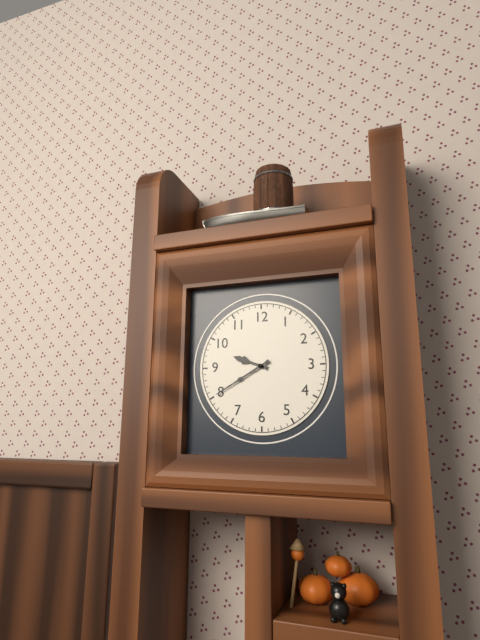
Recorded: h=9 m=40
